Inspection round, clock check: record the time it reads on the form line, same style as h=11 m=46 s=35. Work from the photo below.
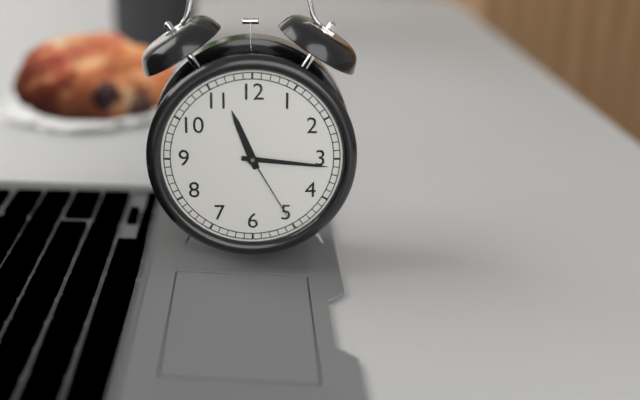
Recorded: h=11 m=16 s=25
